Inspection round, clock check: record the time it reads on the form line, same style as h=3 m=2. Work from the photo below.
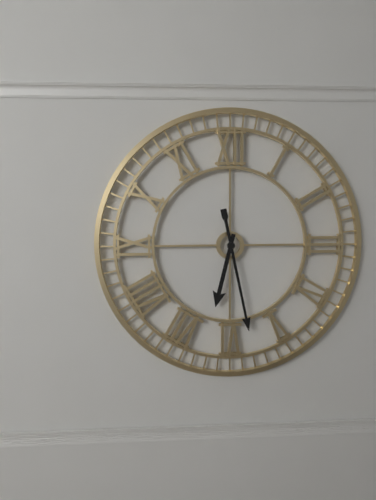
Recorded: h=6 m=28
